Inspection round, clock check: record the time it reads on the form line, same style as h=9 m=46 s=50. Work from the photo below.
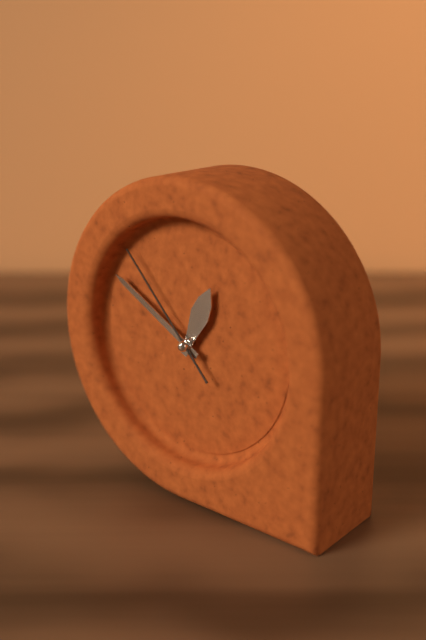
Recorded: h=12 m=50 s=53
